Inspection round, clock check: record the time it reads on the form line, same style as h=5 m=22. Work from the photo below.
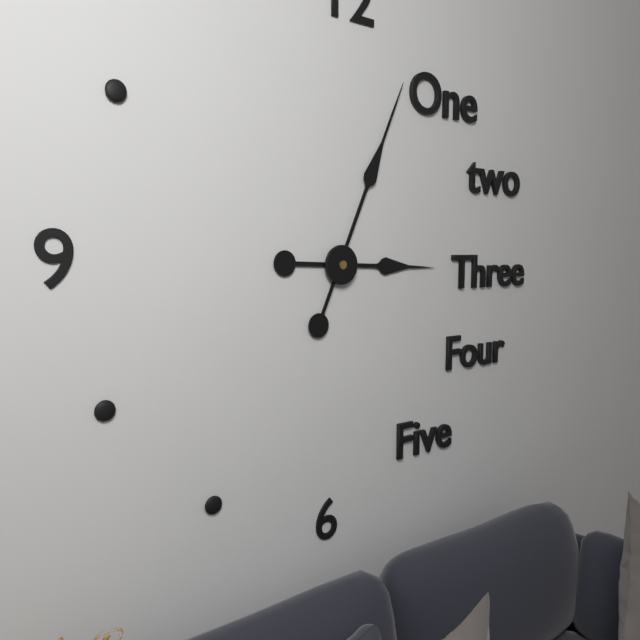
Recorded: h=3 m=4
